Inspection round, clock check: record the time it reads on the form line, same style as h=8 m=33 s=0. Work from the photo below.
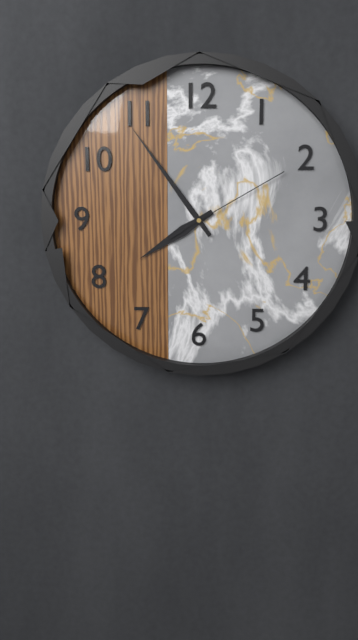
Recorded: h=7 m=54 s=10
